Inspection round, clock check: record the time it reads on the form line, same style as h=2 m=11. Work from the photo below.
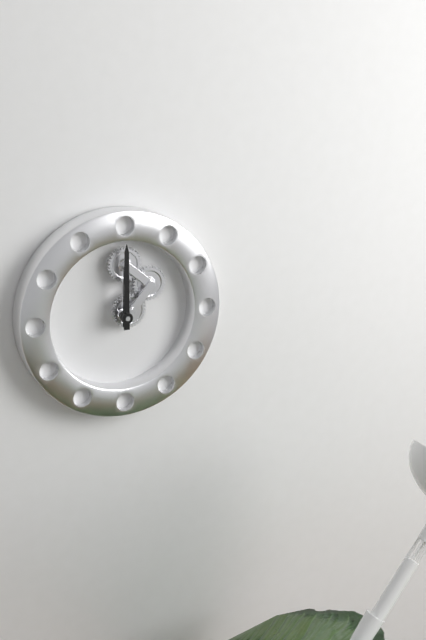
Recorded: h=12 m=0
